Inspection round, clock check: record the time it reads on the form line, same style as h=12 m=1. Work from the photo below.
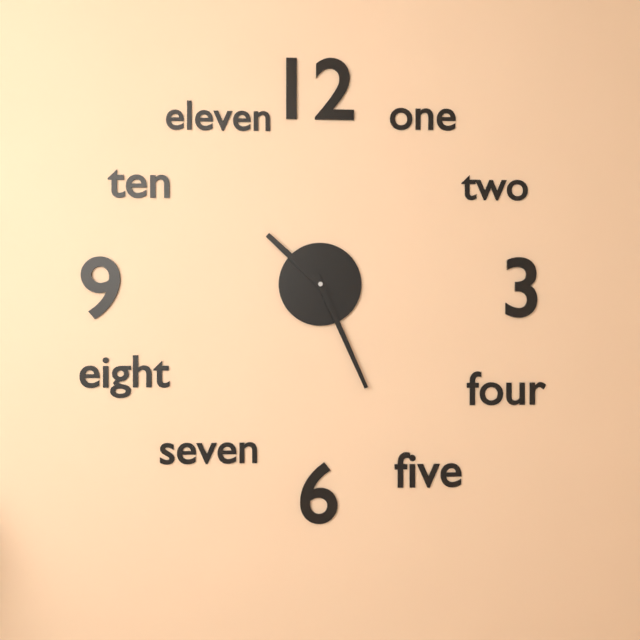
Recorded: h=10 m=26
